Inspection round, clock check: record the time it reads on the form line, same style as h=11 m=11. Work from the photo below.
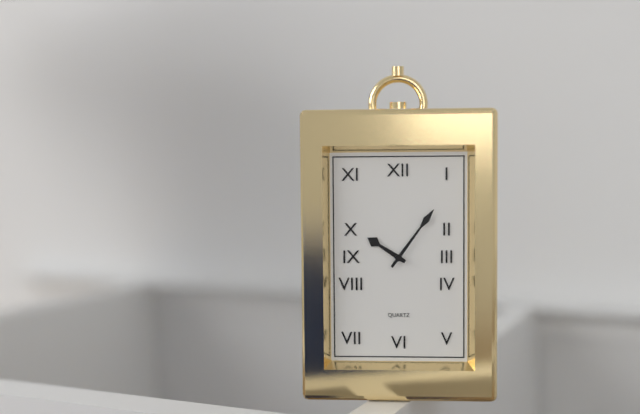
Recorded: h=10 m=6
